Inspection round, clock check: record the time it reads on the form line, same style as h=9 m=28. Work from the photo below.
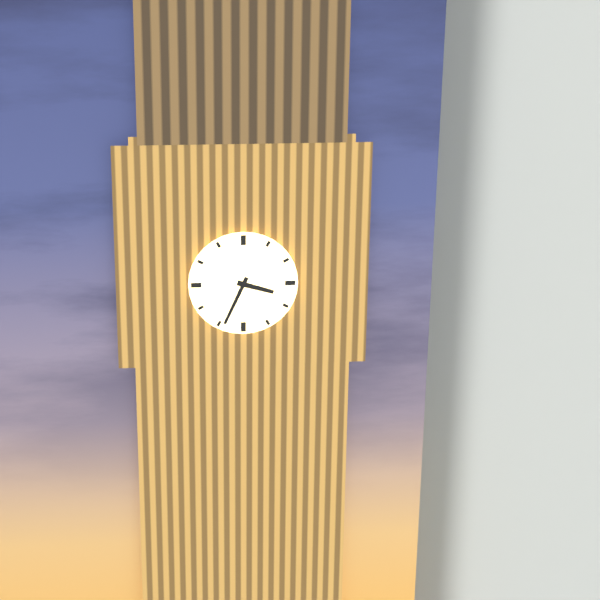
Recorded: h=3 m=34
